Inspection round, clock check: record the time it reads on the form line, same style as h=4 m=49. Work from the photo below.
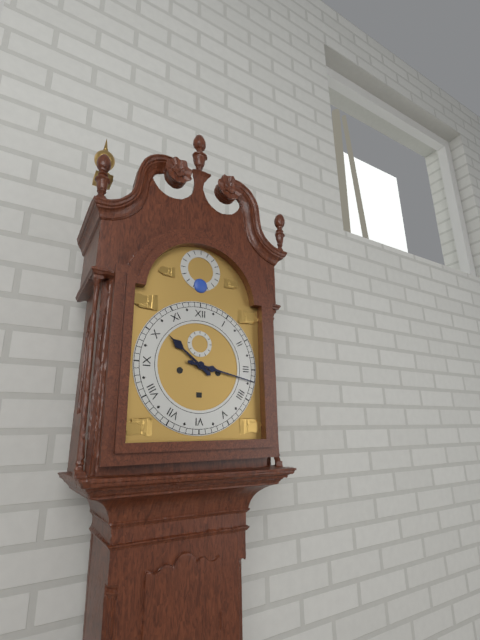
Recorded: h=10 m=17
